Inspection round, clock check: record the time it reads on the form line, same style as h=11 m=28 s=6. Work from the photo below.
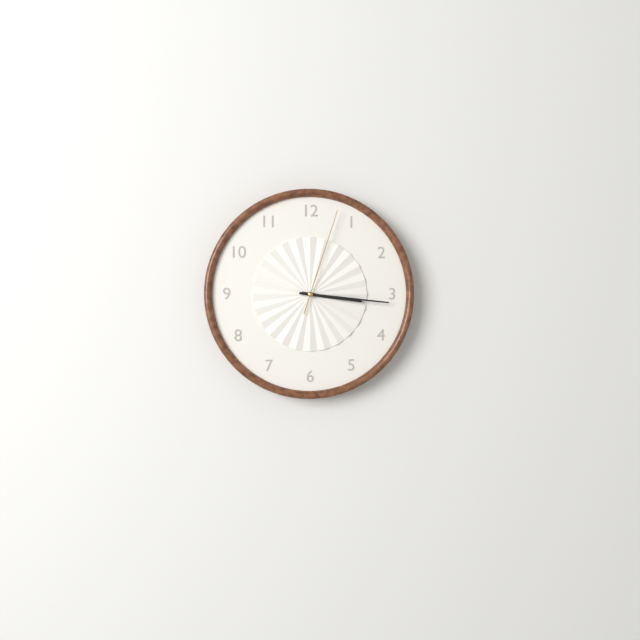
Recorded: h=3 m=16 s=3
